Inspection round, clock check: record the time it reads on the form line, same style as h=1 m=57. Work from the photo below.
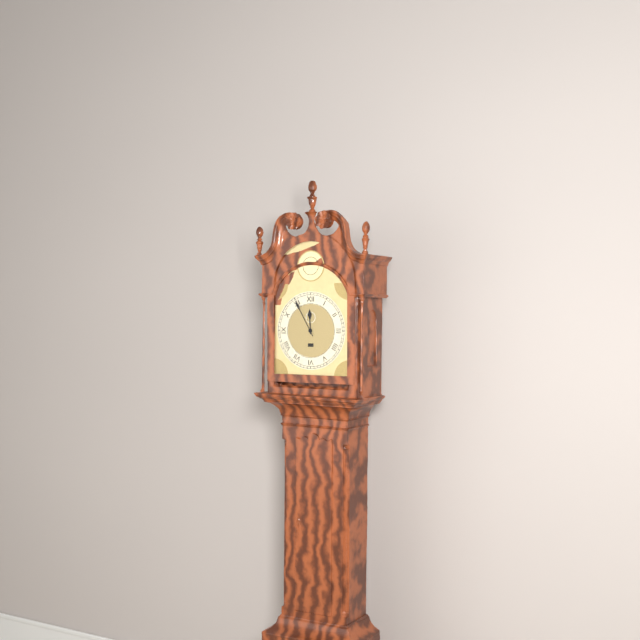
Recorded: h=11 m=55
